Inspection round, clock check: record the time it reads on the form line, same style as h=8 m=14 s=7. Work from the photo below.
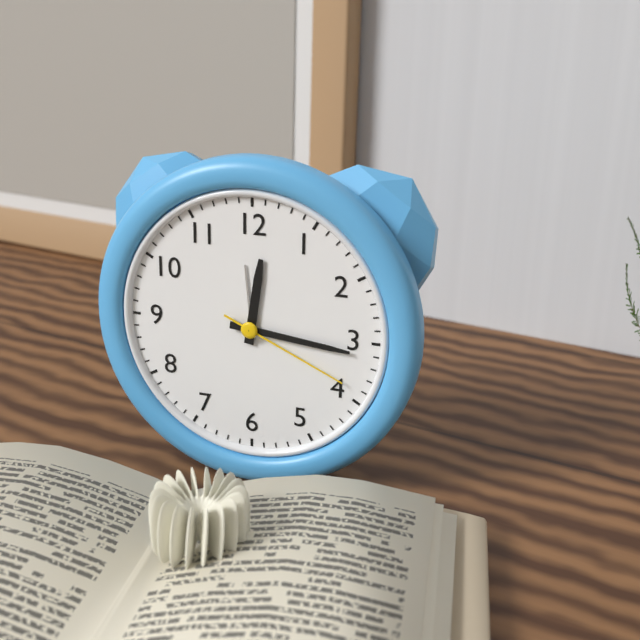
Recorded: h=12 m=16 s=19
